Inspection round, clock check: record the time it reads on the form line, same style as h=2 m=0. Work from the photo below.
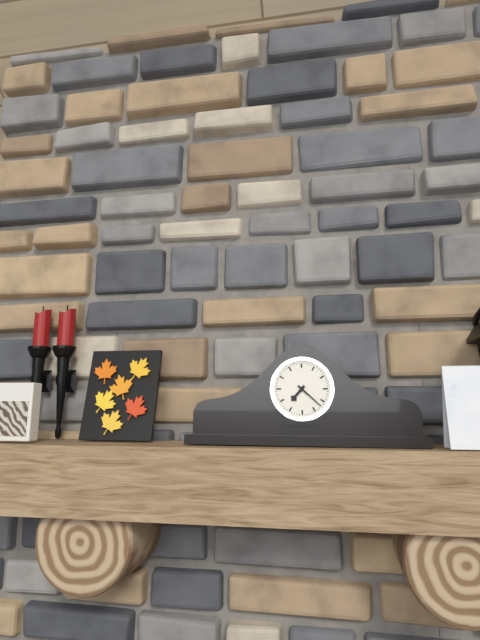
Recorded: h=7 m=22
